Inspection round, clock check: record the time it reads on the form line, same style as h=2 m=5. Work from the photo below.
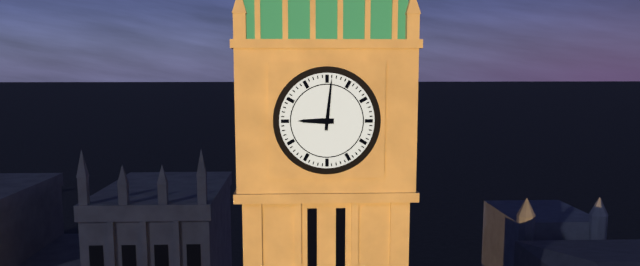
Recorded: h=9 m=1
